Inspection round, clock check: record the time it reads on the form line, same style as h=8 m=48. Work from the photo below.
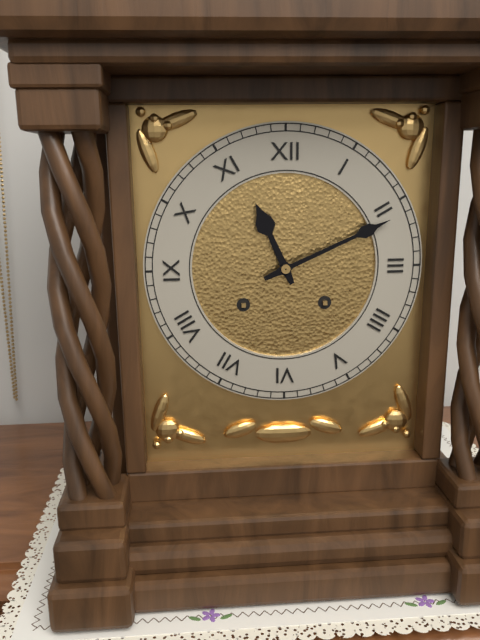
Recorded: h=11 m=11
